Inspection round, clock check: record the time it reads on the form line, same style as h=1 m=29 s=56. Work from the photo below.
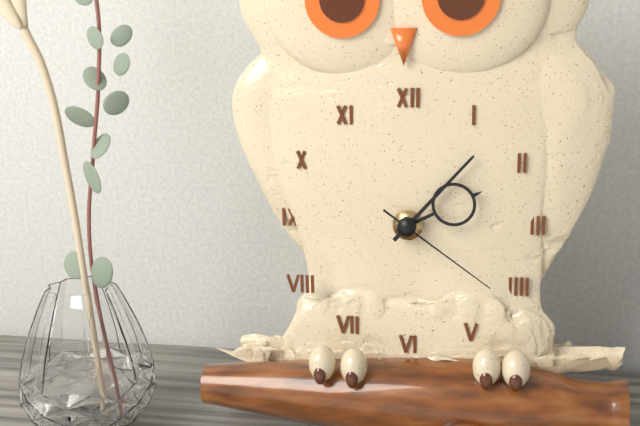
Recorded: h=2 m=7 s=21
